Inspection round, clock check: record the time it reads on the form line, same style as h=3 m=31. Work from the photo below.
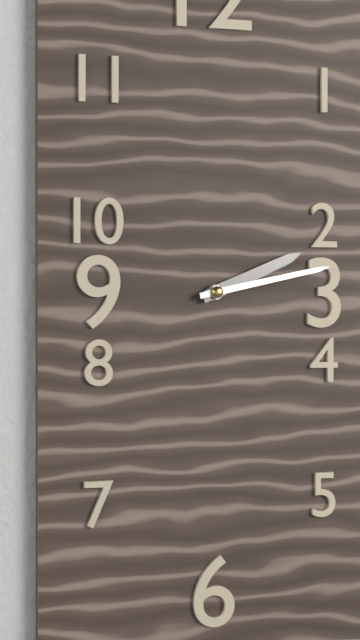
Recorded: h=2 m=13
